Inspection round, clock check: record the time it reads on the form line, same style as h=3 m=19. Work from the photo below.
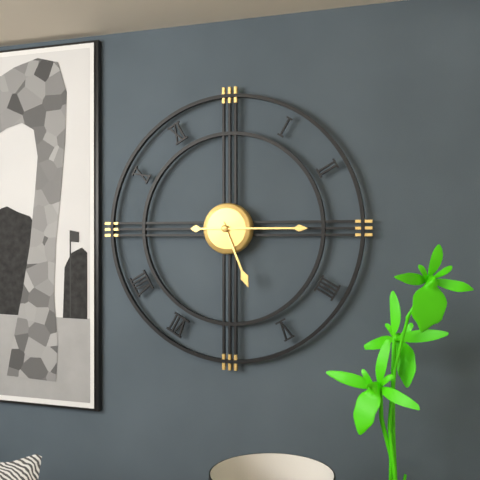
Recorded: h=5 m=15
